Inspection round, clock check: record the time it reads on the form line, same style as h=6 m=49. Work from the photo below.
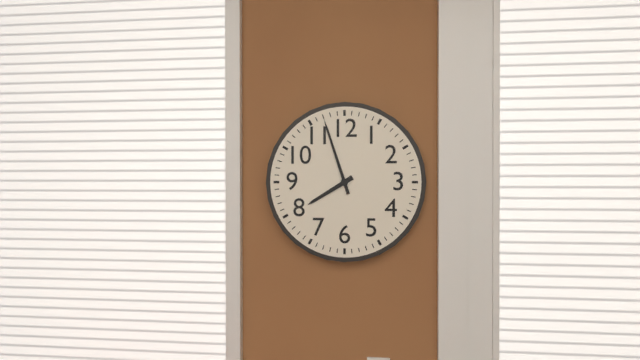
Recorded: h=7 m=57
